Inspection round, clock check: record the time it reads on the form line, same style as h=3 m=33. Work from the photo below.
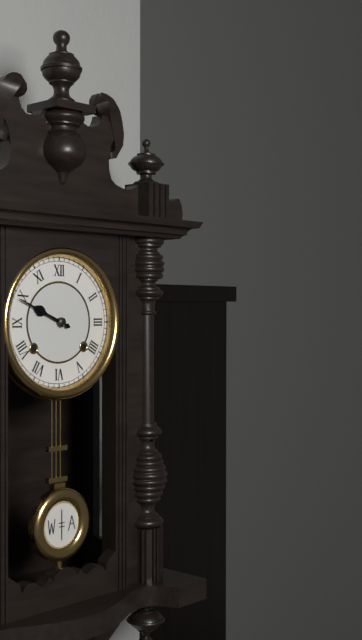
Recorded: h=9 m=49
